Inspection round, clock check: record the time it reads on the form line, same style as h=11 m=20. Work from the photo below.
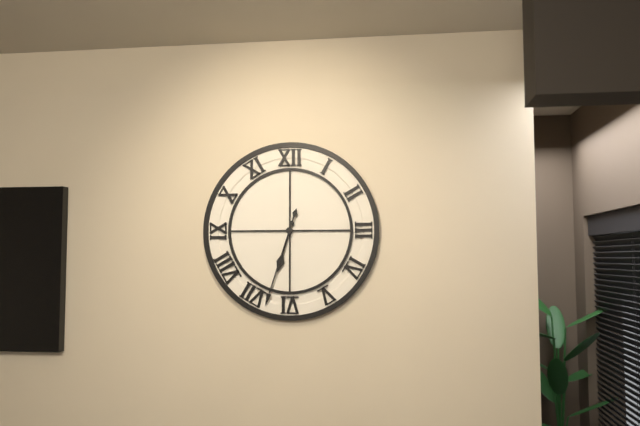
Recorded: h=6 m=33
